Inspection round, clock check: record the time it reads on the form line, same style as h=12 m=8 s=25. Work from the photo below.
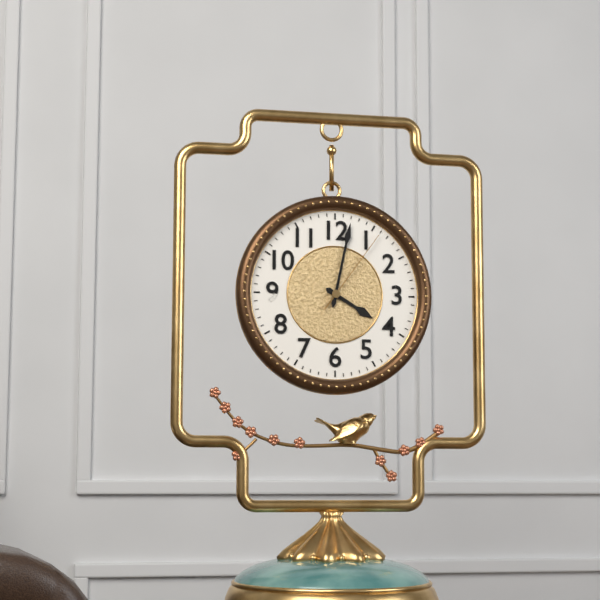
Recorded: h=4 m=2 s=6
